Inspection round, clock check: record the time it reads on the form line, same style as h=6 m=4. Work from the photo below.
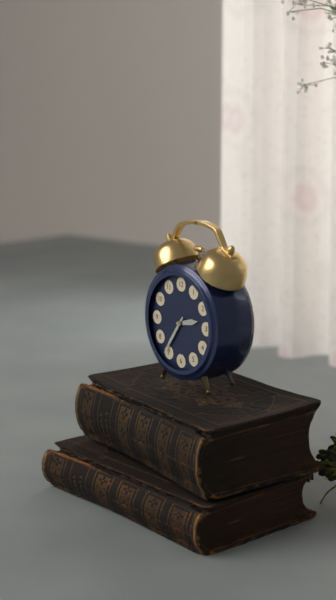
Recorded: h=2 m=36
